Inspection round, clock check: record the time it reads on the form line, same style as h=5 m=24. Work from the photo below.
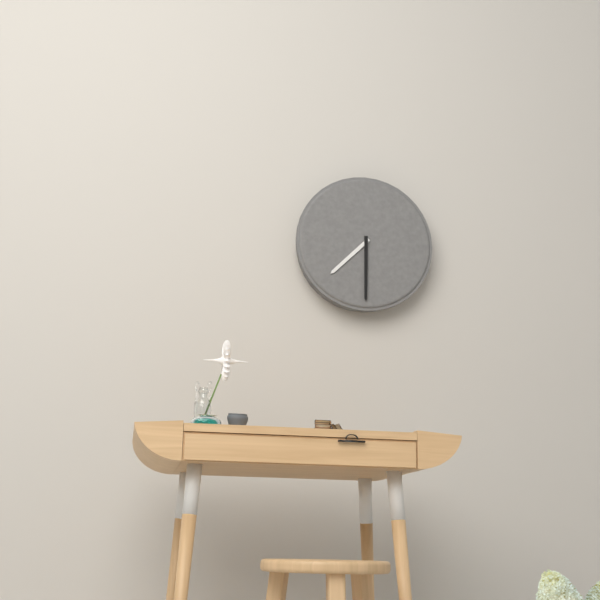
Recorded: h=7 m=30
